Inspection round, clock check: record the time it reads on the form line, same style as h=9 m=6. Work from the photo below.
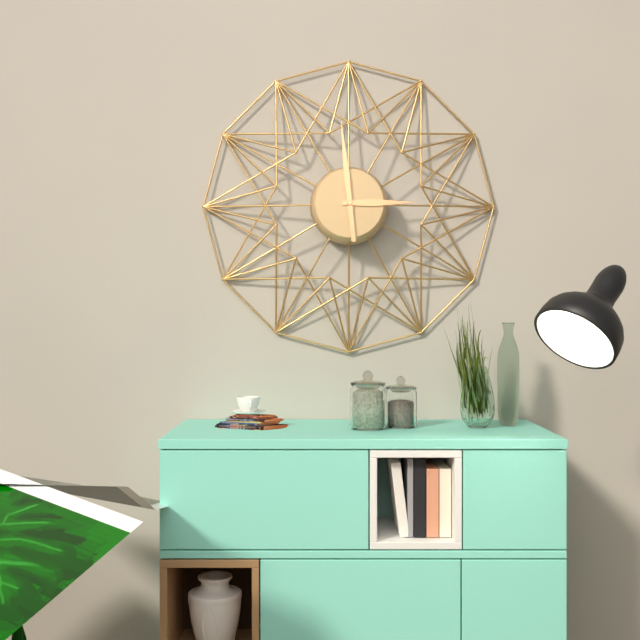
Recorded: h=2 m=59
